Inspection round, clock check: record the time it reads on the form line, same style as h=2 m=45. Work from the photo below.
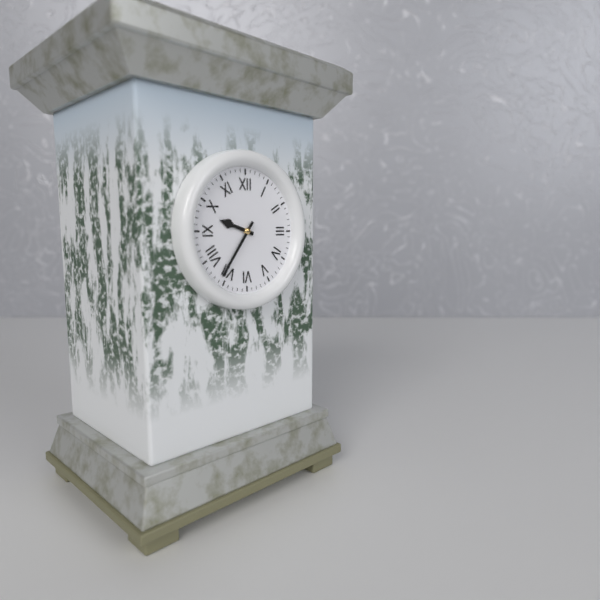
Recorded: h=9 m=36
